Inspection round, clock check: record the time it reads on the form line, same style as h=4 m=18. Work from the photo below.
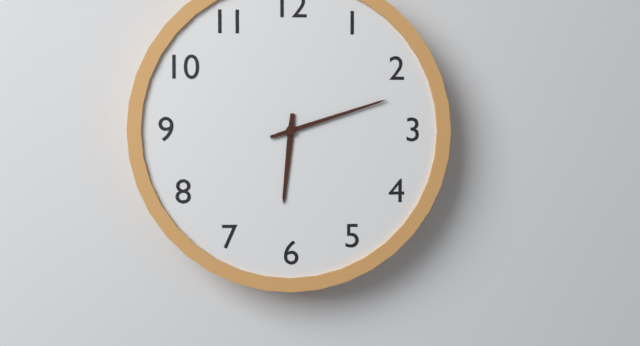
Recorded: h=6 m=12
